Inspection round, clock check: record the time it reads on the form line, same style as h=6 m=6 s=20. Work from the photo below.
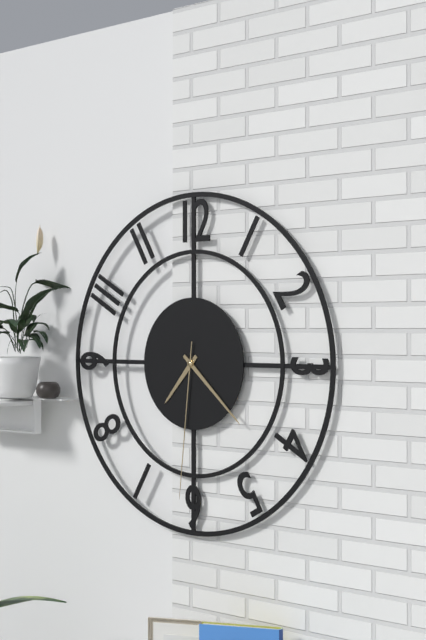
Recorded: h=7 m=22 s=31
